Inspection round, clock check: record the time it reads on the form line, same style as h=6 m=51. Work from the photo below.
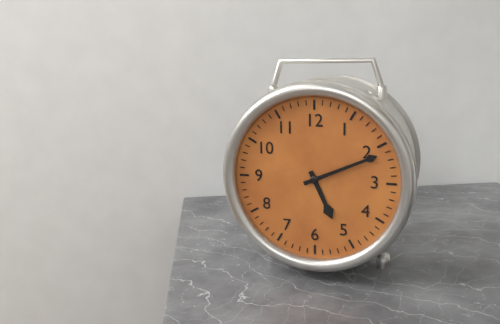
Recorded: h=5 m=11
